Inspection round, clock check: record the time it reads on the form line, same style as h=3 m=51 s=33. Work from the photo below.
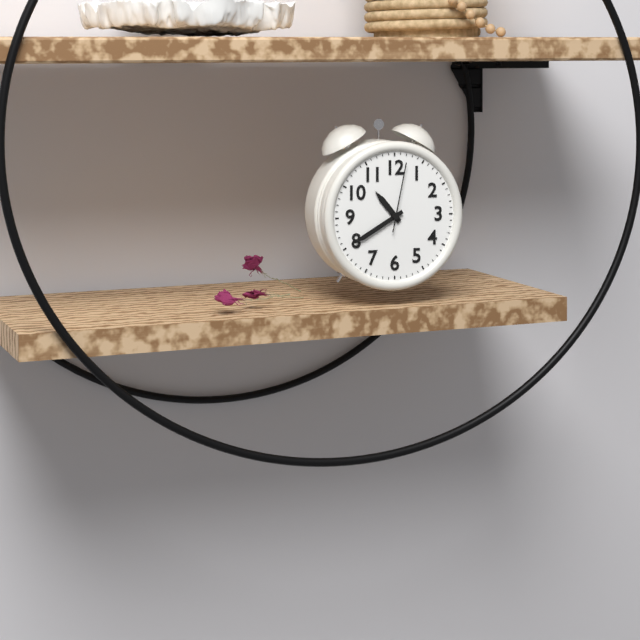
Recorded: h=10 m=40 s=2
